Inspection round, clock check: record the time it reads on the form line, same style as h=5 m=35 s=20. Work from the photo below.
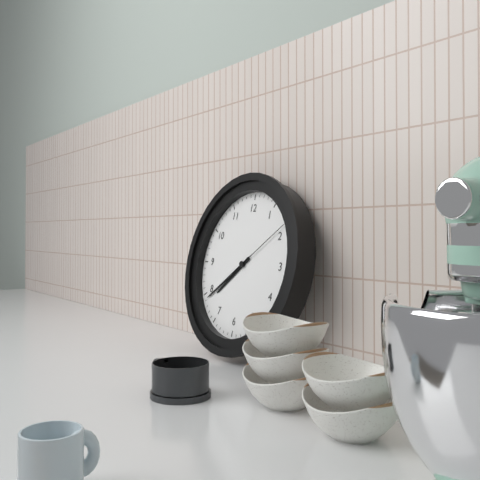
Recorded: h=7 m=39 s=9
